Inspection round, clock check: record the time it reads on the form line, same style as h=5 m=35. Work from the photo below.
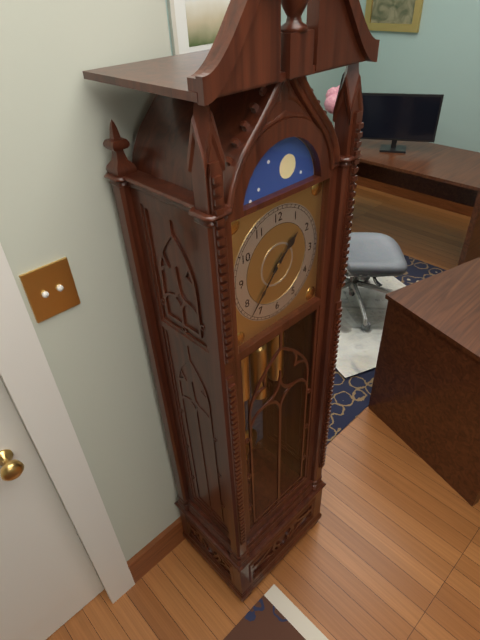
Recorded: h=1 m=37
